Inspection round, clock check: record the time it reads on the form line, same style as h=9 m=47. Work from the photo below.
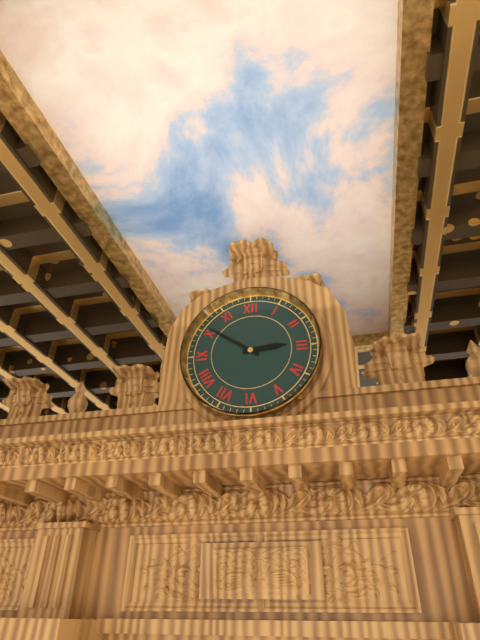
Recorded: h=2 m=51
